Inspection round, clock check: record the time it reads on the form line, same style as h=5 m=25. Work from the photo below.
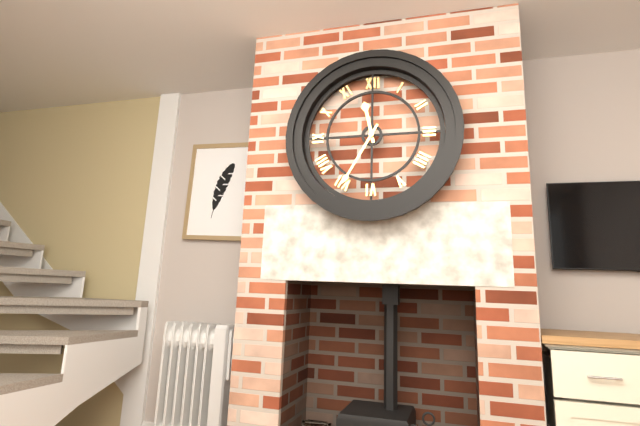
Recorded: h=11 m=35
